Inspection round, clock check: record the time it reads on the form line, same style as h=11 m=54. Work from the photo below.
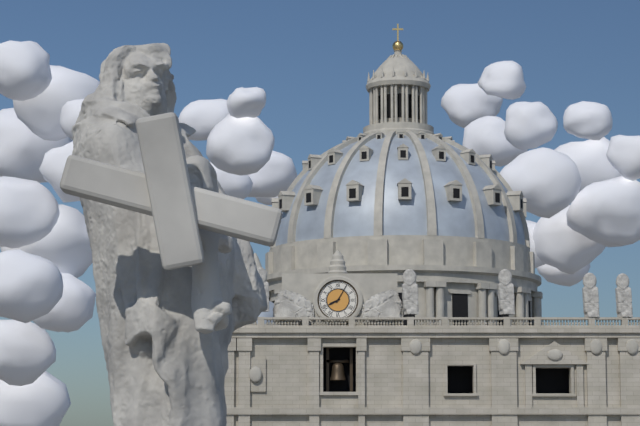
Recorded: h=8 m=5
